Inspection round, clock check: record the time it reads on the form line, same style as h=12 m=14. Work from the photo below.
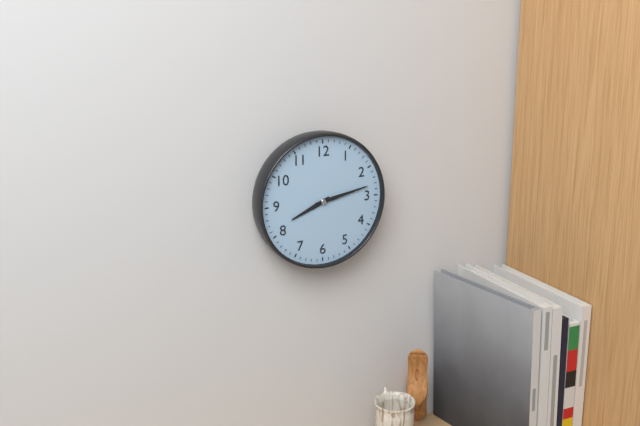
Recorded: h=8 m=13
